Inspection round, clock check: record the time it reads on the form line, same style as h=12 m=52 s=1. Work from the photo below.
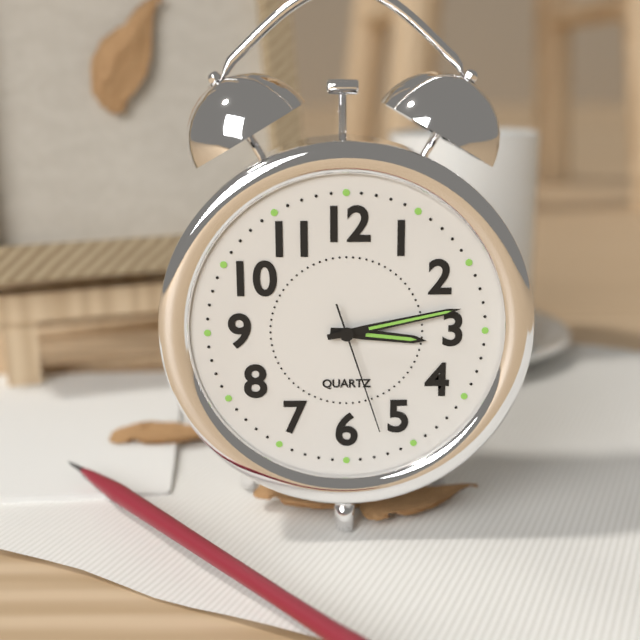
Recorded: h=3 m=13 s=27
